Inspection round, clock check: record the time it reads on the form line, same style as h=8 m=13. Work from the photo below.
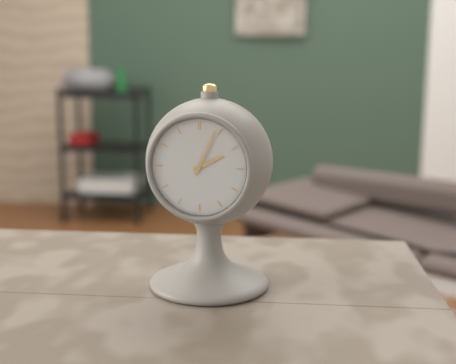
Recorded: h=2 m=4
